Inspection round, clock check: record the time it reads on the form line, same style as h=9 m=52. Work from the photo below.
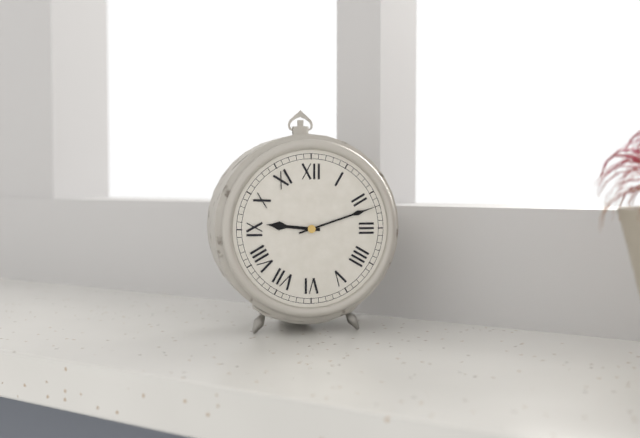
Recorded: h=9 m=12
